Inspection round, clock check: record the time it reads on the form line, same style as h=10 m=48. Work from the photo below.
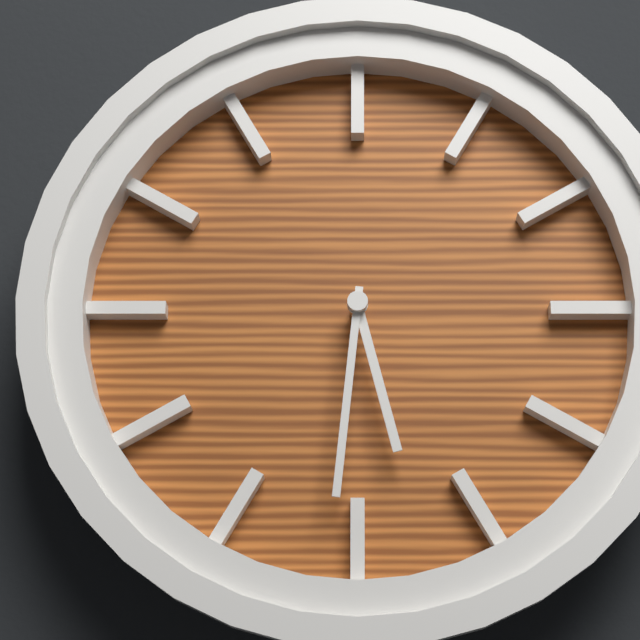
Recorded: h=5 m=31
